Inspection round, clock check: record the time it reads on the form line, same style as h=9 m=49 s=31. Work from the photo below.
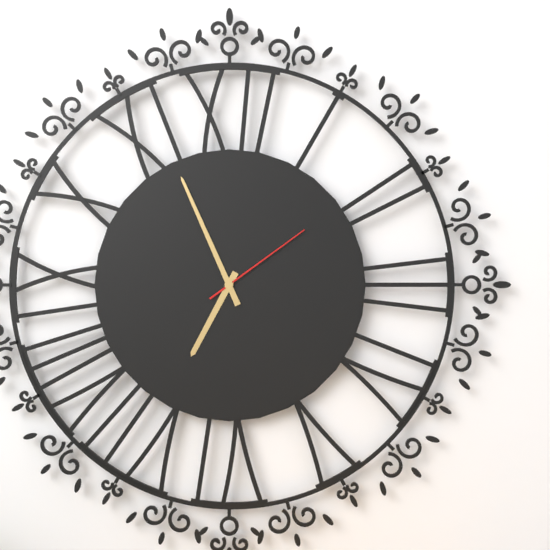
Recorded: h=6 m=56 s=9
